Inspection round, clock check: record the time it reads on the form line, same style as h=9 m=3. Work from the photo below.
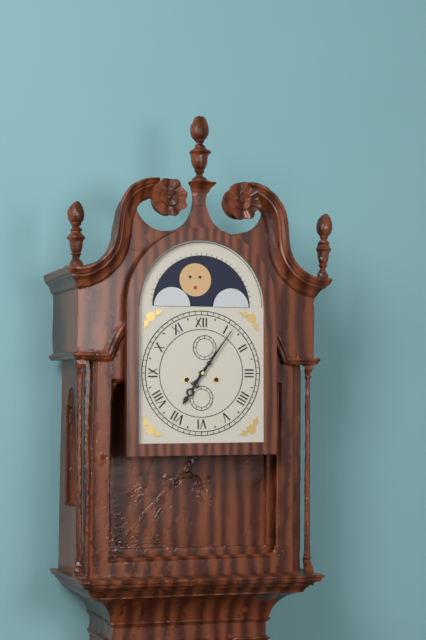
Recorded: h=7 m=6
